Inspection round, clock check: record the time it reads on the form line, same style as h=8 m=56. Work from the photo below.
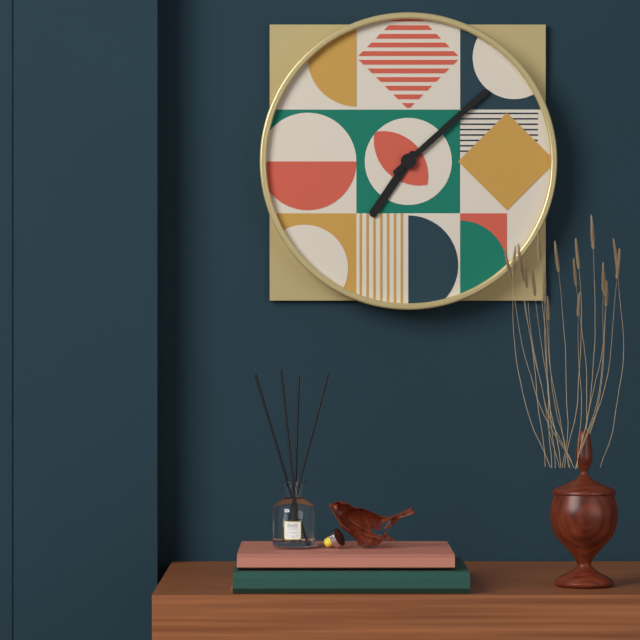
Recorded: h=7 m=8
